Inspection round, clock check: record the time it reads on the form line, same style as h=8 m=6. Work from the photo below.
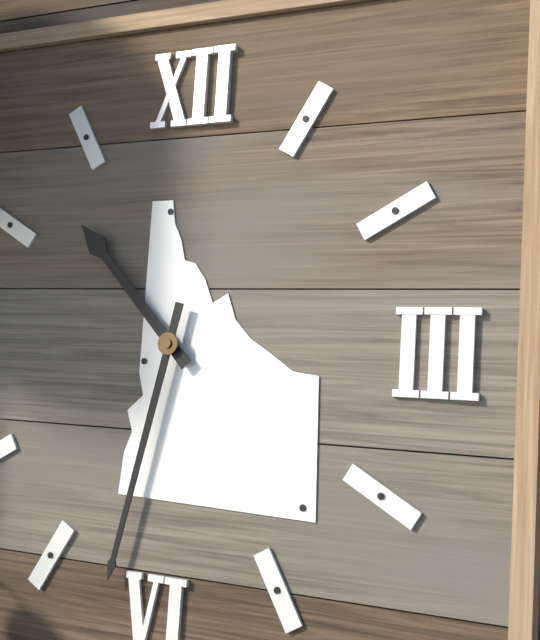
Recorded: h=10 m=32
